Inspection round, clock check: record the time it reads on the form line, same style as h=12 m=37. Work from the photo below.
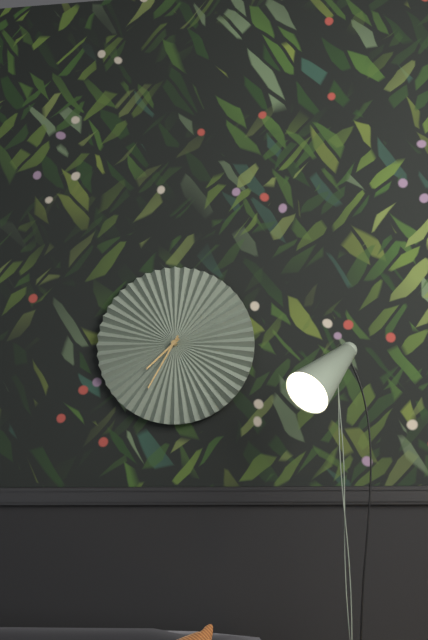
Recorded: h=7 m=35
